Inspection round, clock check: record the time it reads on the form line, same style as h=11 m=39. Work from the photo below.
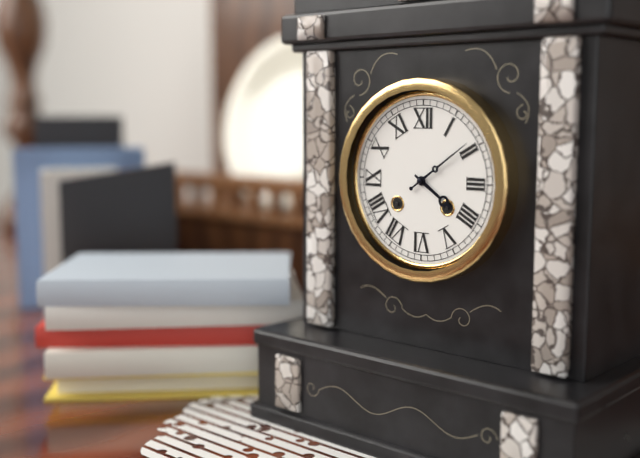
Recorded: h=4 m=9
